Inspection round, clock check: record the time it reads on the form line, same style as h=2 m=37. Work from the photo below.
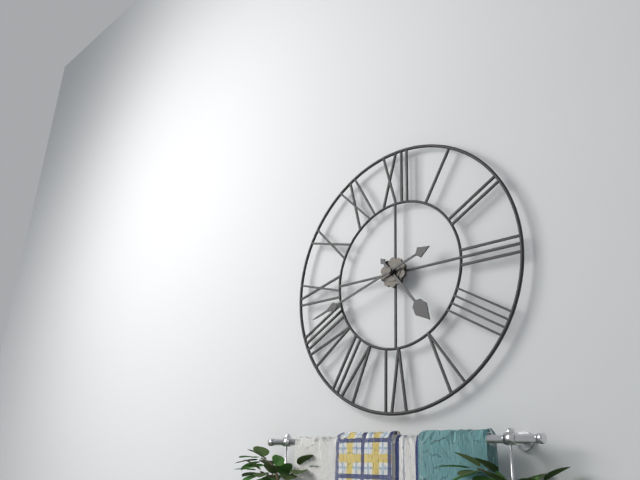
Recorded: h=4 m=42
